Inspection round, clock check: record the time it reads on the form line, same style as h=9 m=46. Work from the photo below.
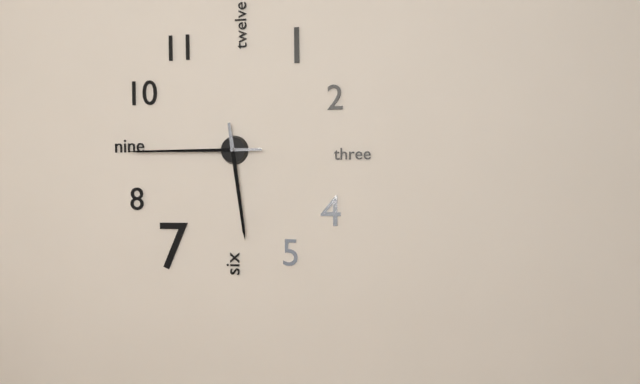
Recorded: h=5 m=45
